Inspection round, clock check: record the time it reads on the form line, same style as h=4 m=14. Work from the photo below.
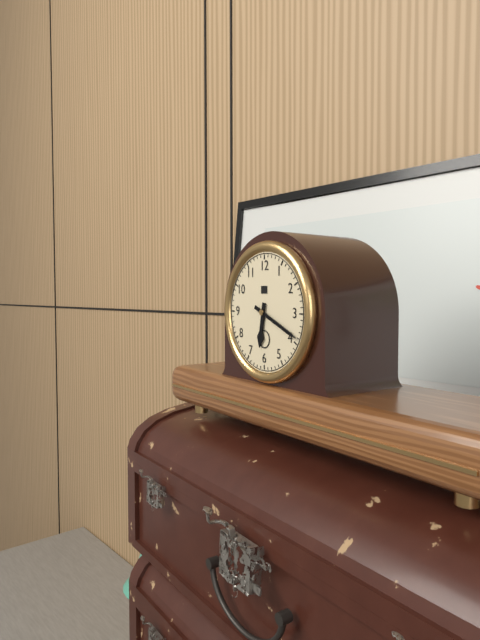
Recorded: h=6 m=19
